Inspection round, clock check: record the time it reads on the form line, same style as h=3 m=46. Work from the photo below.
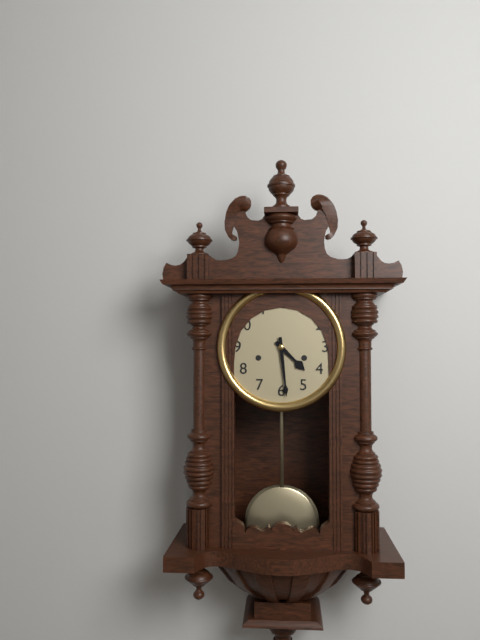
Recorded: h=4 m=29
